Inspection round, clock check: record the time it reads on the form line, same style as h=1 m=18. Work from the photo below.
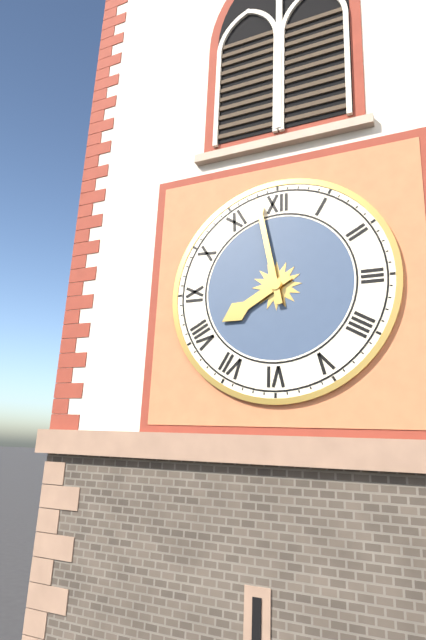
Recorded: h=7 m=58
